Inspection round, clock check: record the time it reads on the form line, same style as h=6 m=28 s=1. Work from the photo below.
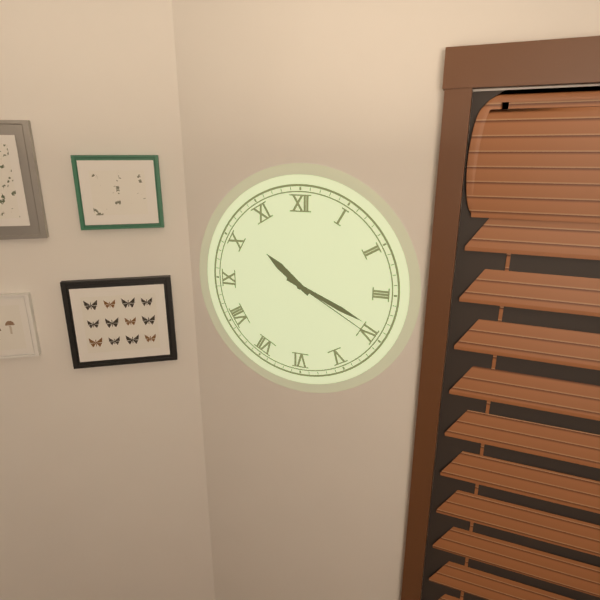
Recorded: h=10 m=19 s=20
